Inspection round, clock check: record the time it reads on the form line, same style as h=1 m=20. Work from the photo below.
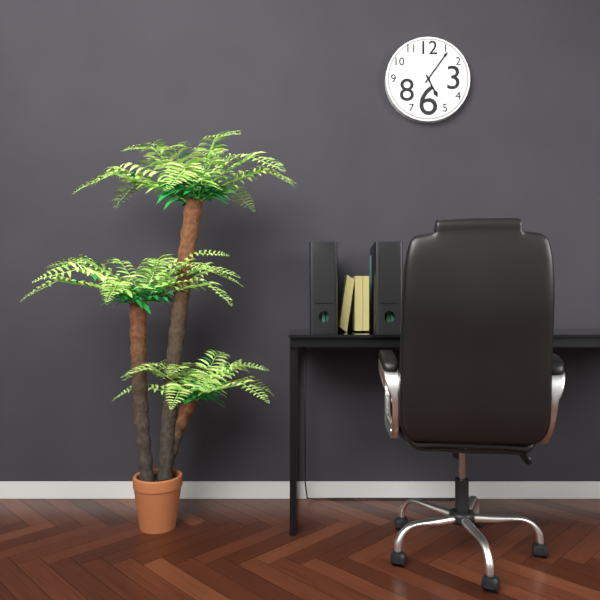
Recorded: h=5 m=6
